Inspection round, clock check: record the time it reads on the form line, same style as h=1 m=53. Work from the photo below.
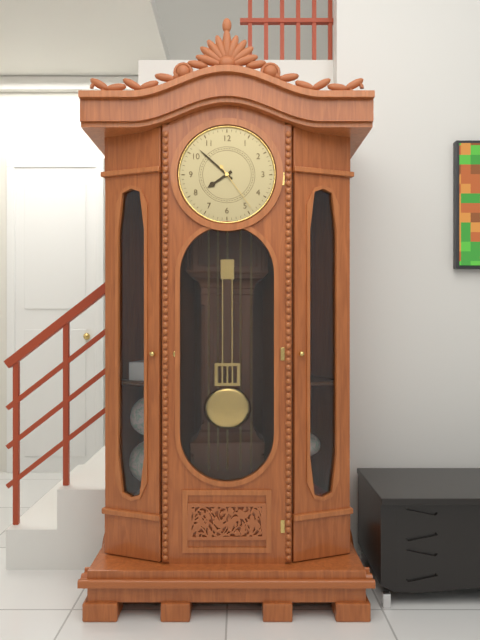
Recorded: h=7 m=52
